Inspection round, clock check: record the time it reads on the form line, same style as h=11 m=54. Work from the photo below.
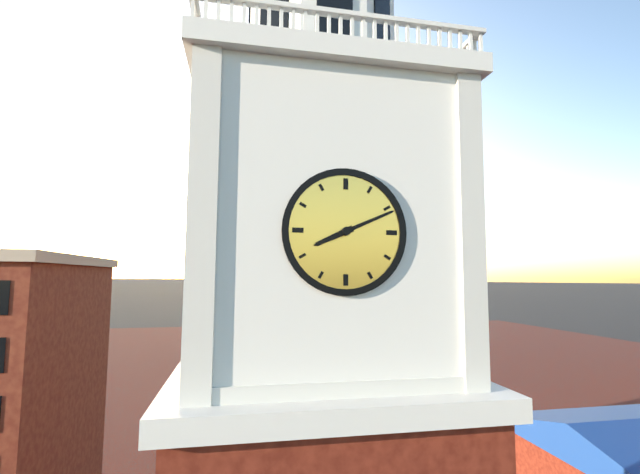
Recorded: h=8 m=11
